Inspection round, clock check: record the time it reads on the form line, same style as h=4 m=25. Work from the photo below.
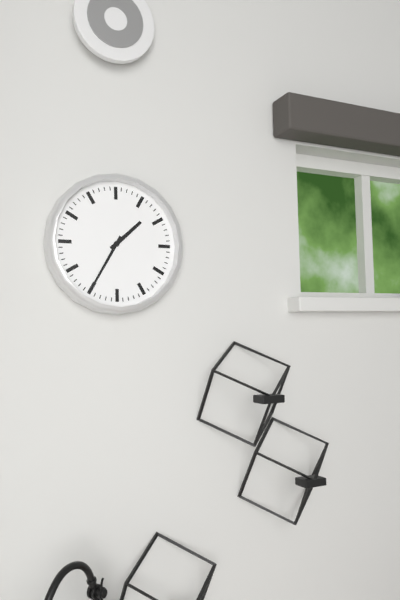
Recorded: h=1 m=35
